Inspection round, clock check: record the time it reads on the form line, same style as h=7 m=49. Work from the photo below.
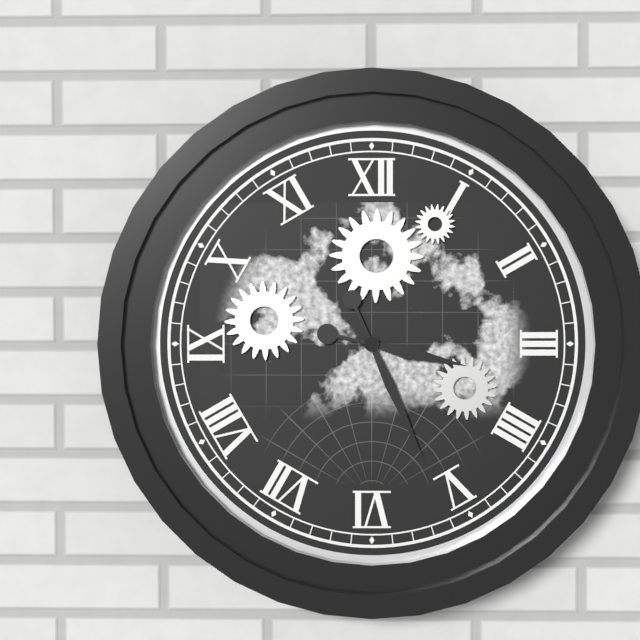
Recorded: h=3 m=26
